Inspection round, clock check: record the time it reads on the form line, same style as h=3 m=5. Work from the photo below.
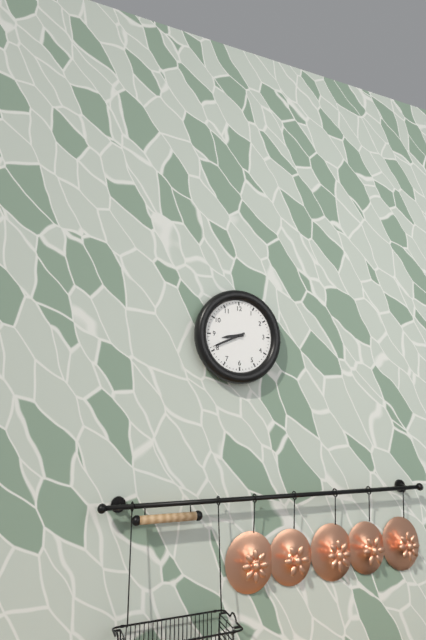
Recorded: h=8 m=41
